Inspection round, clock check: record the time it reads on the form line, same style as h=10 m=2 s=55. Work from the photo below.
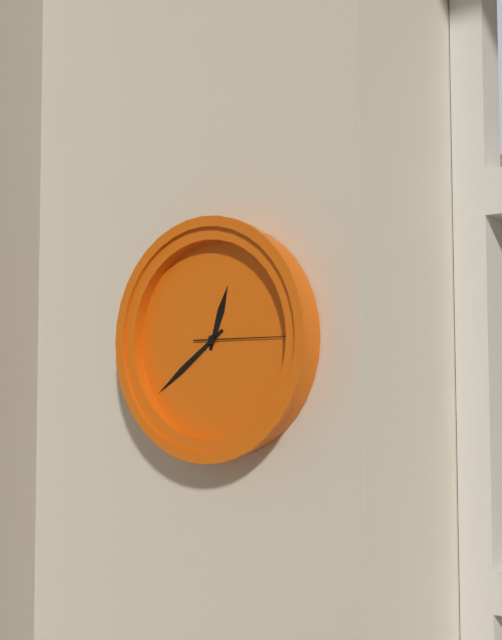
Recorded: h=12 m=39 s=15
